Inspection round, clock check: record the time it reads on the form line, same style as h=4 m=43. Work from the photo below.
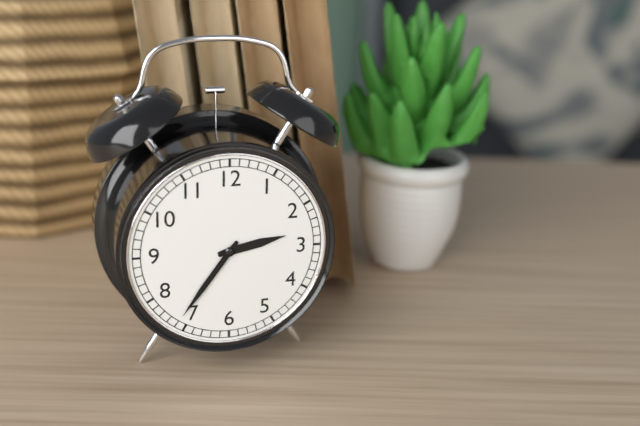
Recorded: h=2 m=36
